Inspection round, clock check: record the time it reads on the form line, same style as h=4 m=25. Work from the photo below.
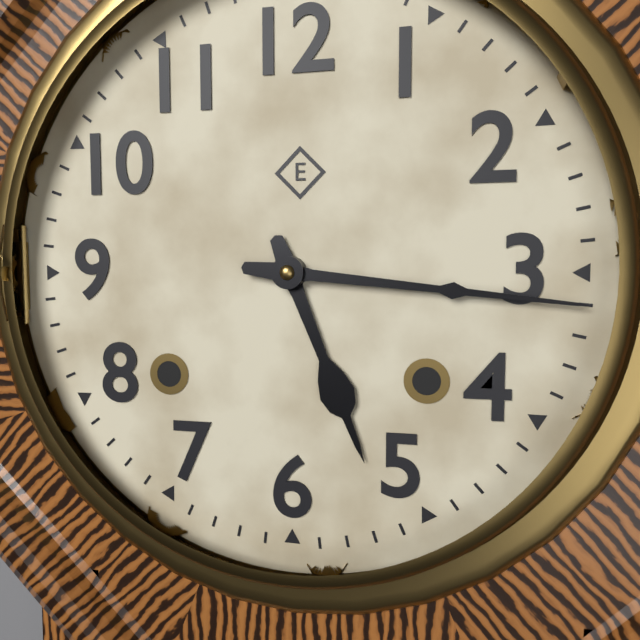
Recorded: h=5 m=16
